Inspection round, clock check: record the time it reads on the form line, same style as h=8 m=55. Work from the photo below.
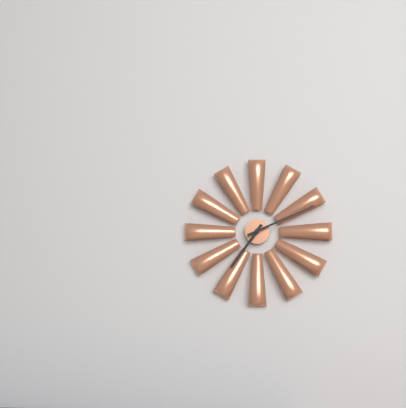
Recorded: h=7 m=11
